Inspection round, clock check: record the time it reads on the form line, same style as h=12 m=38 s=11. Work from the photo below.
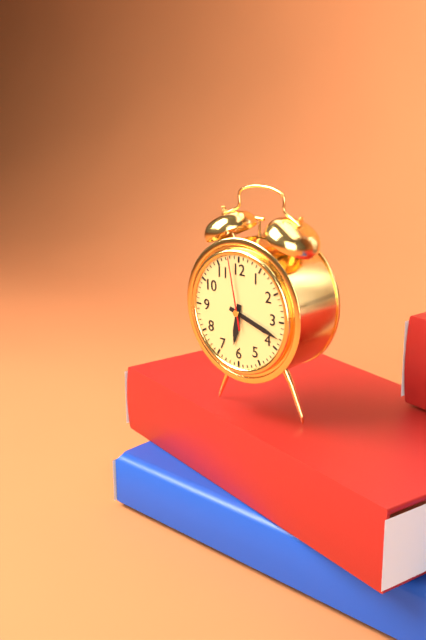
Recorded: h=6 m=18 s=58
